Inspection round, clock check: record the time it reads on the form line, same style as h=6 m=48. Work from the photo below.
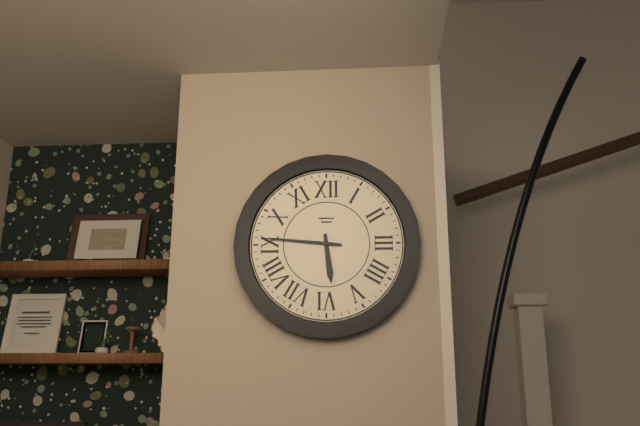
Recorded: h=5 m=46
